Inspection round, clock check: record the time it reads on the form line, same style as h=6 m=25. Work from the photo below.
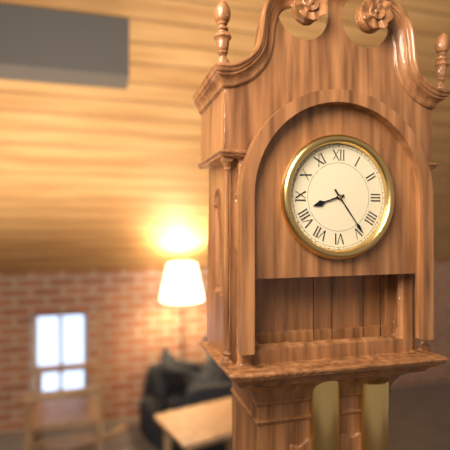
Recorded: h=8 m=24
